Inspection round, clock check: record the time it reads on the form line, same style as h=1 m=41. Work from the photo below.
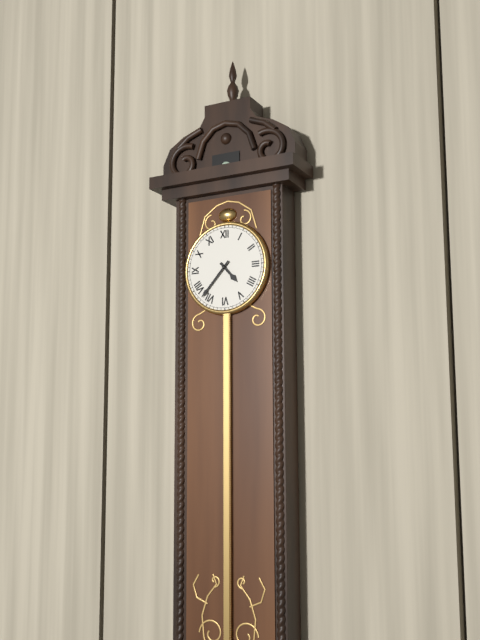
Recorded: h=4 m=37
